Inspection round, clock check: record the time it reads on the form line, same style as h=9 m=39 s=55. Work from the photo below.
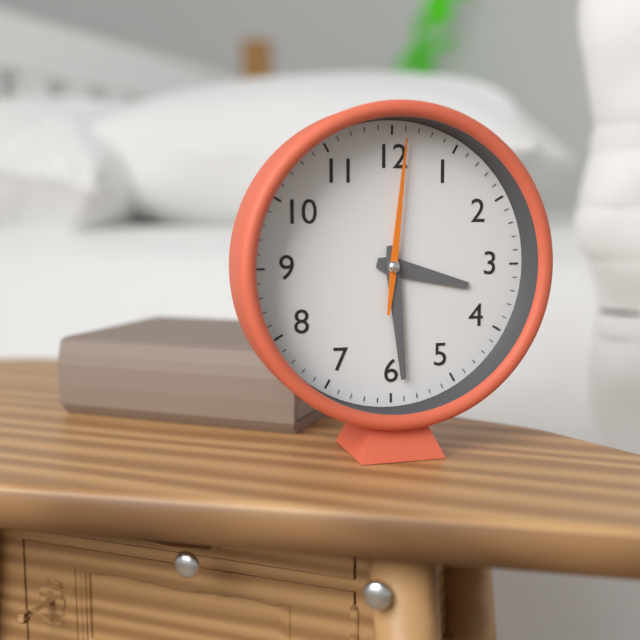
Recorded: h=3 m=29 s=1
